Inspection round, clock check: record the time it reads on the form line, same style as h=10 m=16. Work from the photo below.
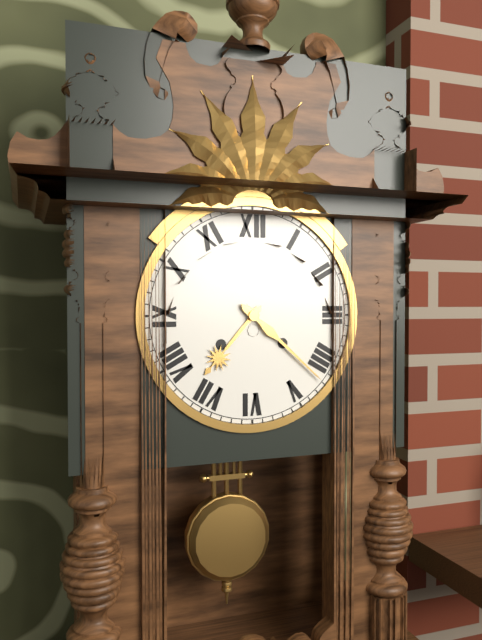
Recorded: h=7 m=22
